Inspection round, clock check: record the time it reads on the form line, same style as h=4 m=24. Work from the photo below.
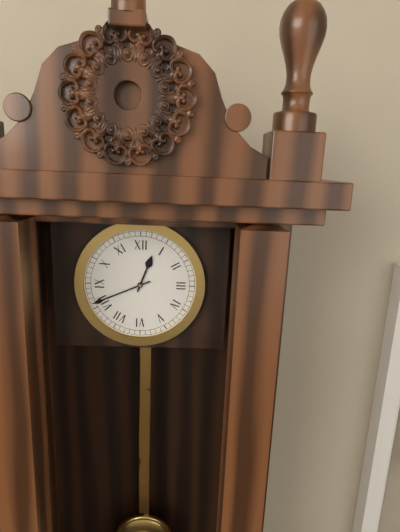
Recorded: h=12 m=41
